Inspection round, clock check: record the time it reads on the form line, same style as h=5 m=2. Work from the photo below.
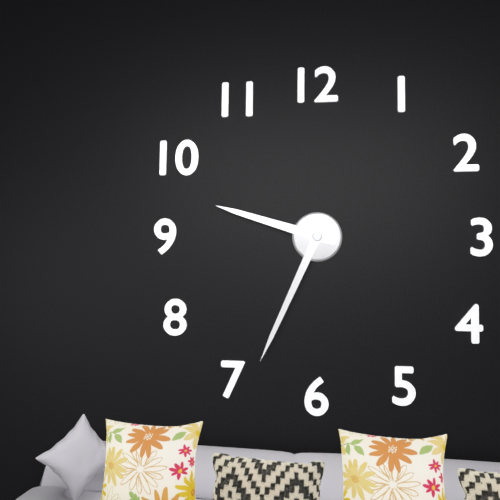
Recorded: h=9 m=34
